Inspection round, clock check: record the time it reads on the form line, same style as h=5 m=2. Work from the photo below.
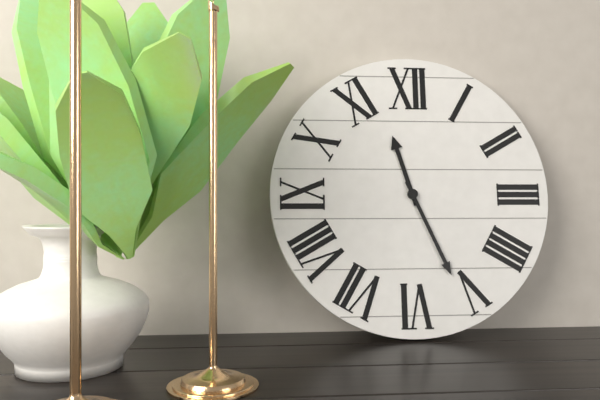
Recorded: h=11 m=26
